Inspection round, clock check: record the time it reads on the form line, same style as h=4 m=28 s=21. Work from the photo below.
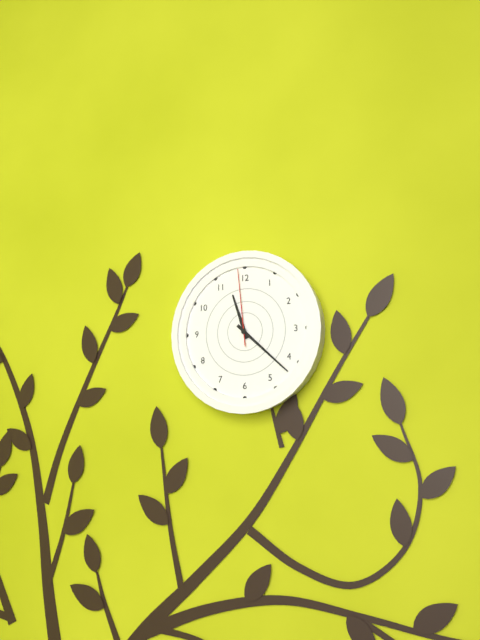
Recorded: h=11 m=22 s=59
